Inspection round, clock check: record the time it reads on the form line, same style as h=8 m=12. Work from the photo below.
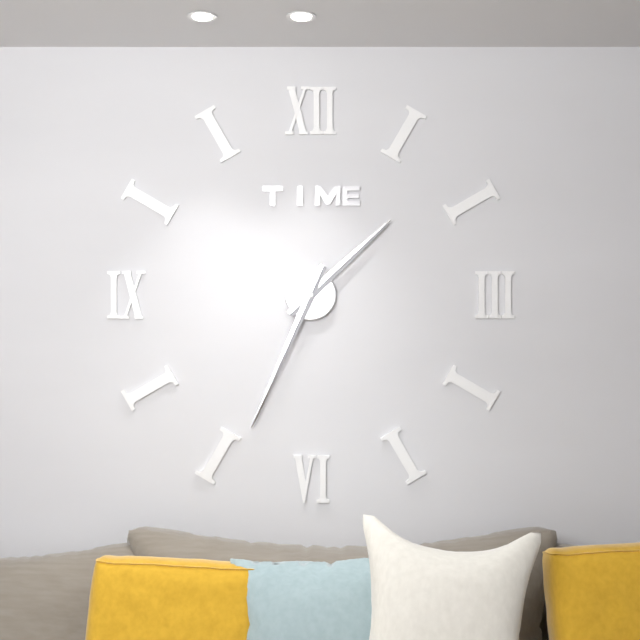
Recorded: h=1 m=34
